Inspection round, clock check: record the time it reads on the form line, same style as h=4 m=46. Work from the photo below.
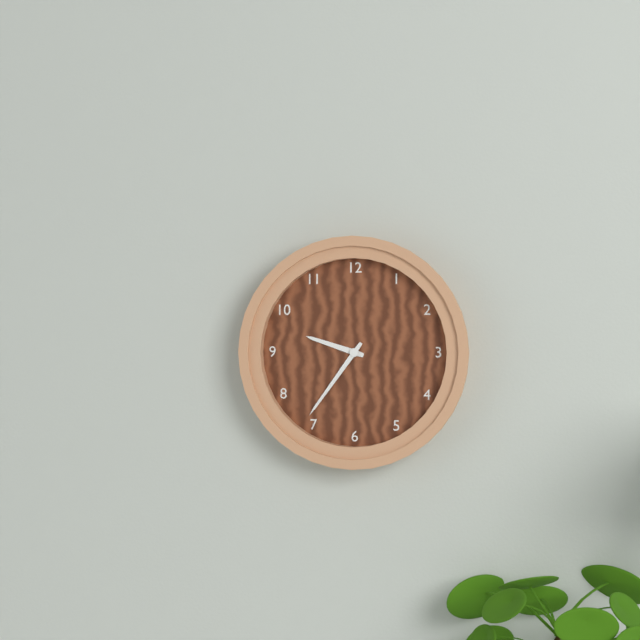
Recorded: h=9 m=36
